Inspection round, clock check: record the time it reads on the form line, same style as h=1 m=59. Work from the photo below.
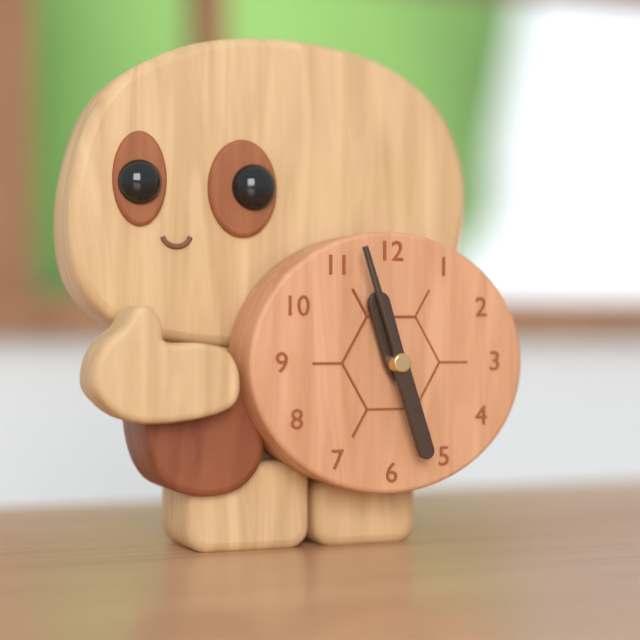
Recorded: h=11 m=27
